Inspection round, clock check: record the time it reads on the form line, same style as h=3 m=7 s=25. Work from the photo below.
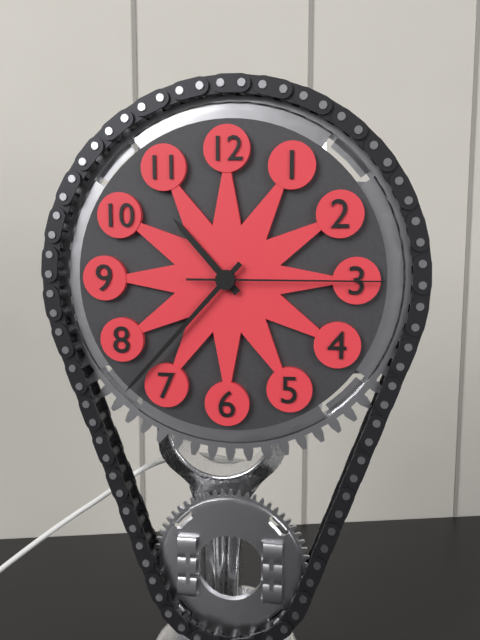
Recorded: h=10 m=37 s=15
